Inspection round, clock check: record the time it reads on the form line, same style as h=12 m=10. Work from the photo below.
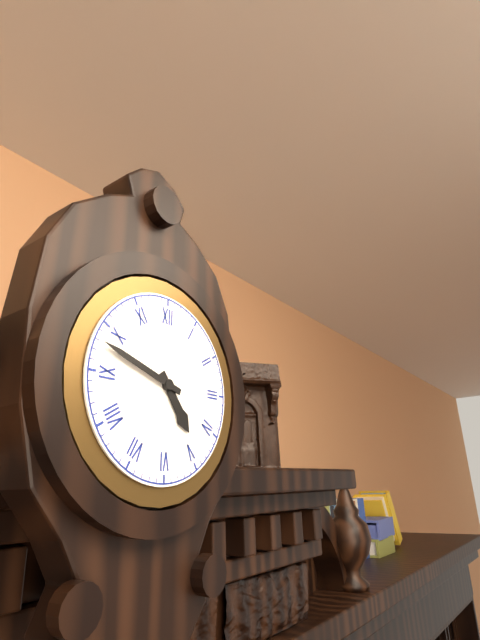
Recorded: h=4 m=48
